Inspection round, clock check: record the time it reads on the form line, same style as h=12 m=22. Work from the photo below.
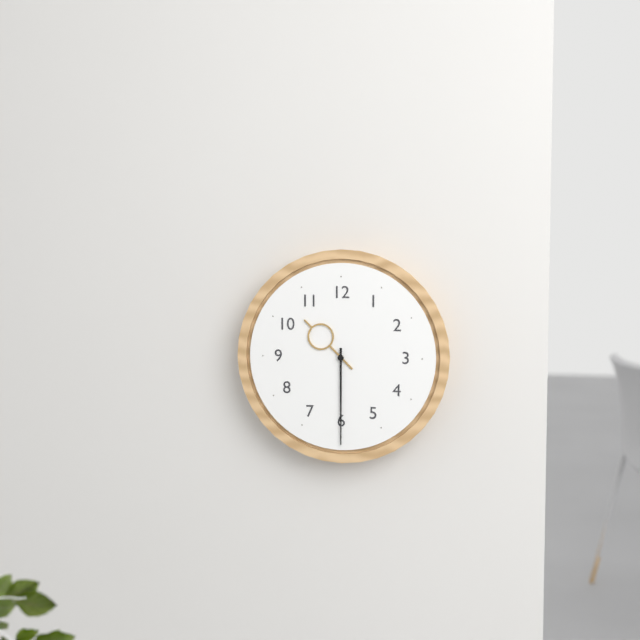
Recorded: h=10 m=30
